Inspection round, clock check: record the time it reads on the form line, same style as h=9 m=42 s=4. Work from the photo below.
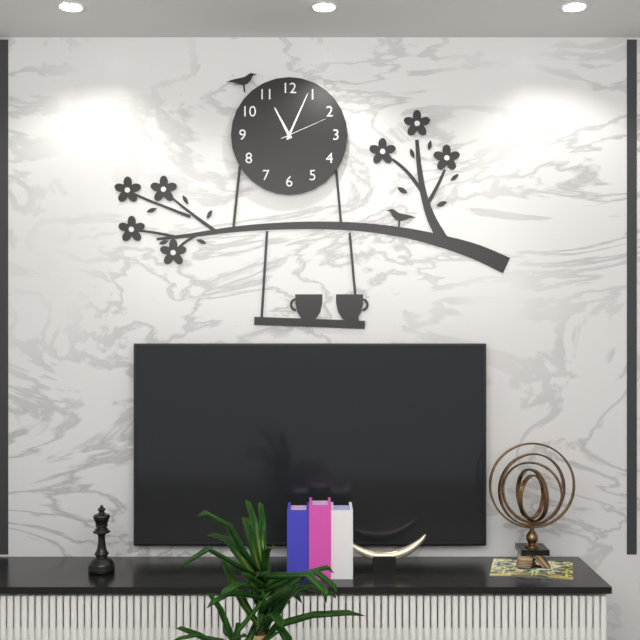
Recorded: h=11 m=4 s=11
